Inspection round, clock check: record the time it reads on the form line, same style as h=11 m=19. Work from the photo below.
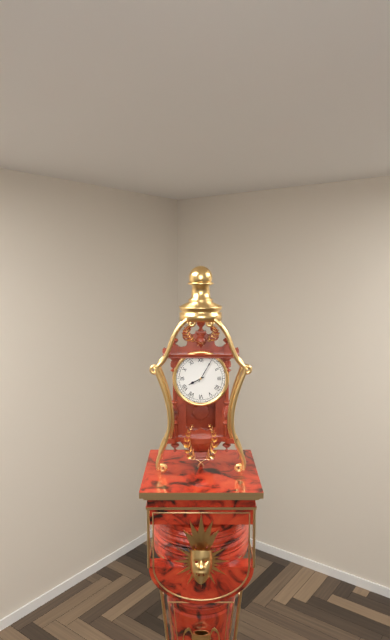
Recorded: h=8 m=5
